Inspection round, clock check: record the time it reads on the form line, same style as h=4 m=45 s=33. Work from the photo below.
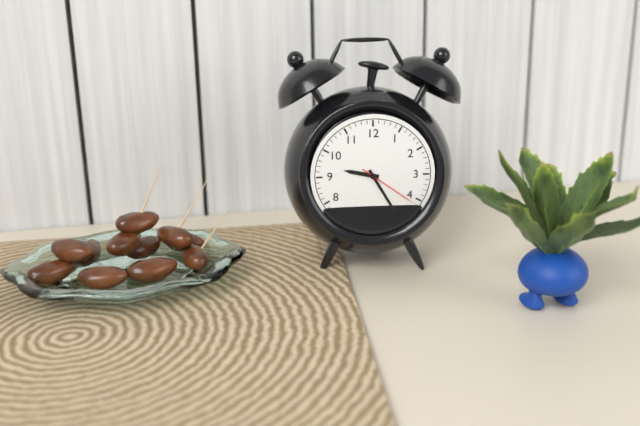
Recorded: h=9 m=25 s=21
